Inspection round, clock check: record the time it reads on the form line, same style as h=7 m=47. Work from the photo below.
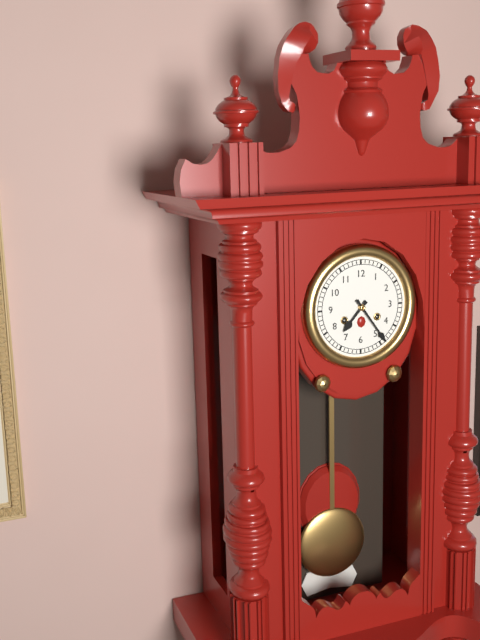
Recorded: h=7 m=24
